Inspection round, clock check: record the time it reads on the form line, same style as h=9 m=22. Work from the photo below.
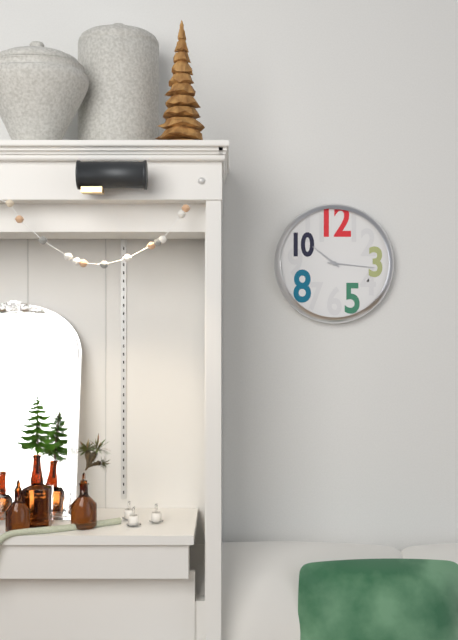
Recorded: h=10 m=16
